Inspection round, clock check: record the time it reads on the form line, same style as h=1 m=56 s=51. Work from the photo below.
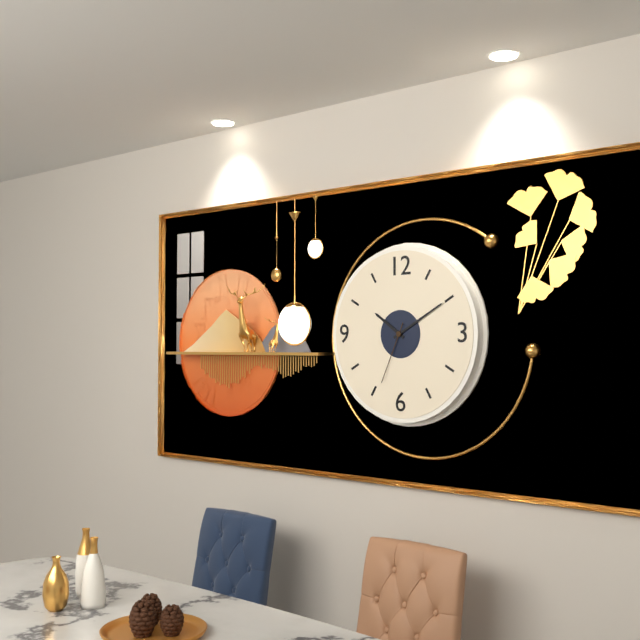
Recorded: h=10 m=10 s=34
